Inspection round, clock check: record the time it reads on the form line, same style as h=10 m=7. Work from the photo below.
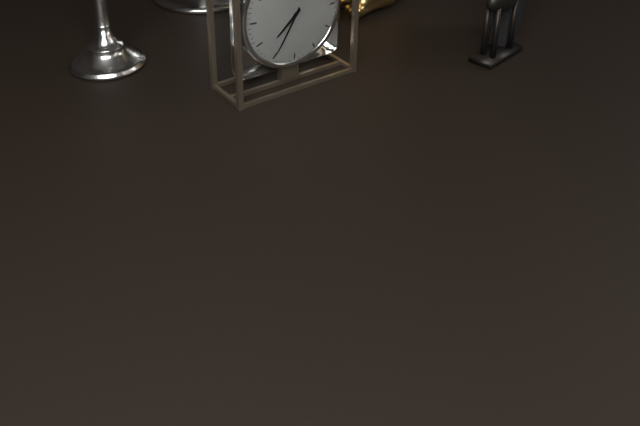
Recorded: h=7 m=35
